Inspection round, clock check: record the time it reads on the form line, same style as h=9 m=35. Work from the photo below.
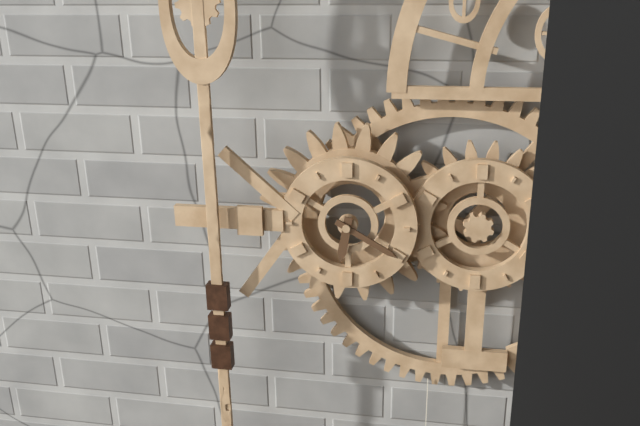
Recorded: h=6 m=20
